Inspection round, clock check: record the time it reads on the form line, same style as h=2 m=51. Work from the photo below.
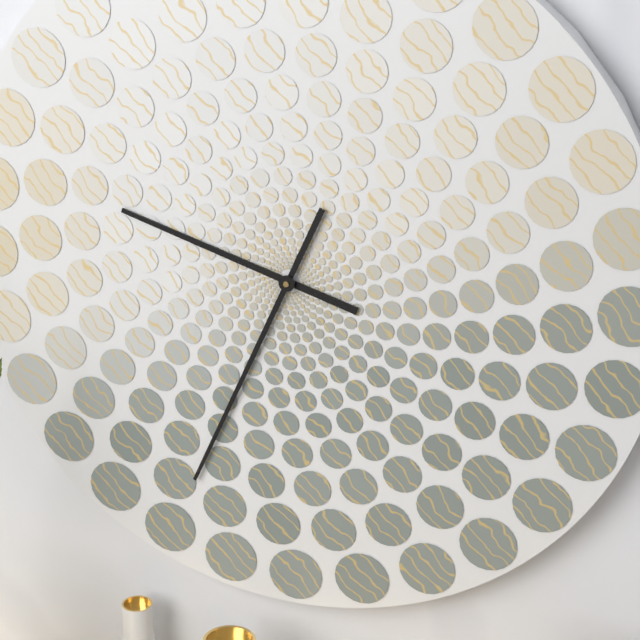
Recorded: h=9 m=34
